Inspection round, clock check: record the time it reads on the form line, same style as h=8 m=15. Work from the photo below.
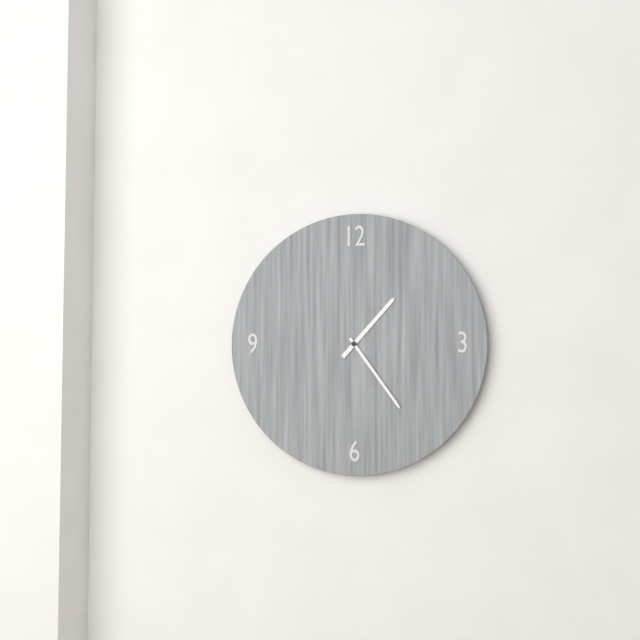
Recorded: h=1 m=24
